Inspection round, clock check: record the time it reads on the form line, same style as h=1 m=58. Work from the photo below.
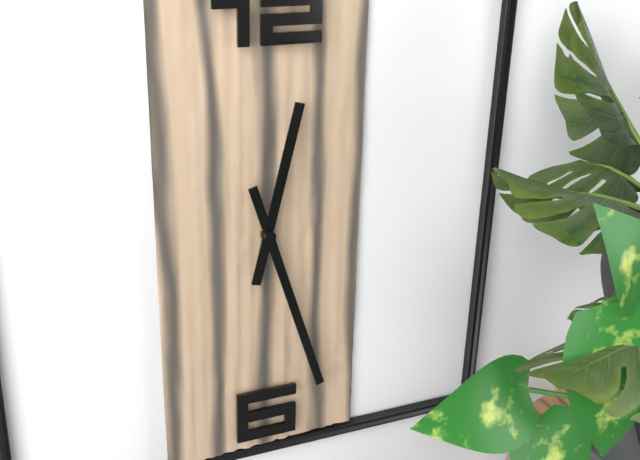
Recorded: h=12 m=27
